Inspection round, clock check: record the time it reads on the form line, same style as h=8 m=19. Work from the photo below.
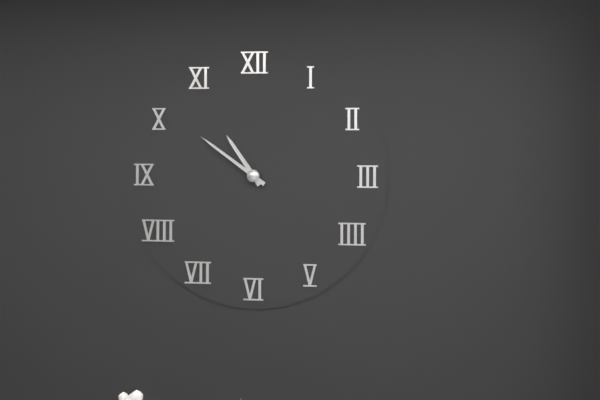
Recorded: h=10 m=51
